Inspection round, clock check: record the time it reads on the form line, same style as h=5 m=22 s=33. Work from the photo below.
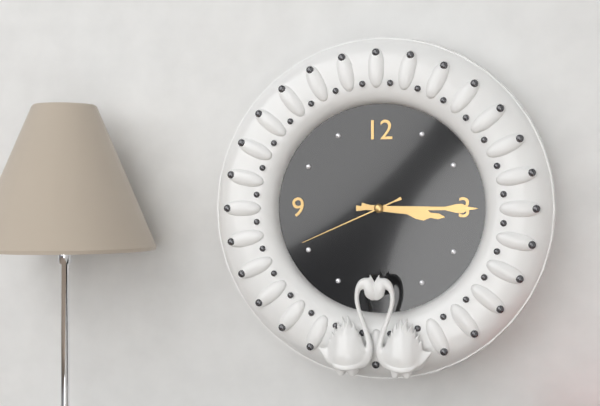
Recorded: h=3 m=15 s=41
